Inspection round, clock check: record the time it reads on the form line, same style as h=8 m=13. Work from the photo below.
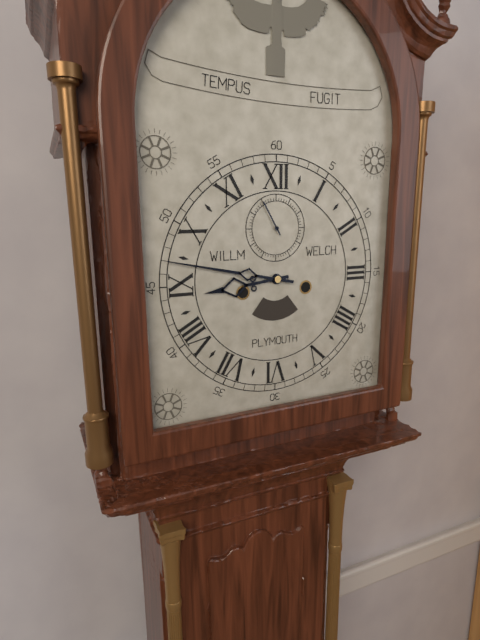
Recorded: h=8 m=47
